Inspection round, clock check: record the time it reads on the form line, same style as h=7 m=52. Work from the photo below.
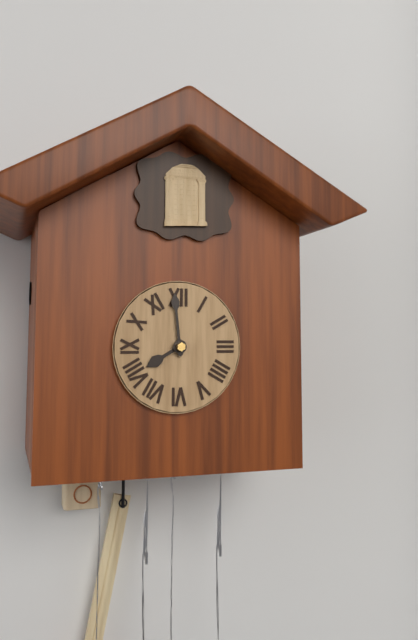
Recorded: h=7 m=59
